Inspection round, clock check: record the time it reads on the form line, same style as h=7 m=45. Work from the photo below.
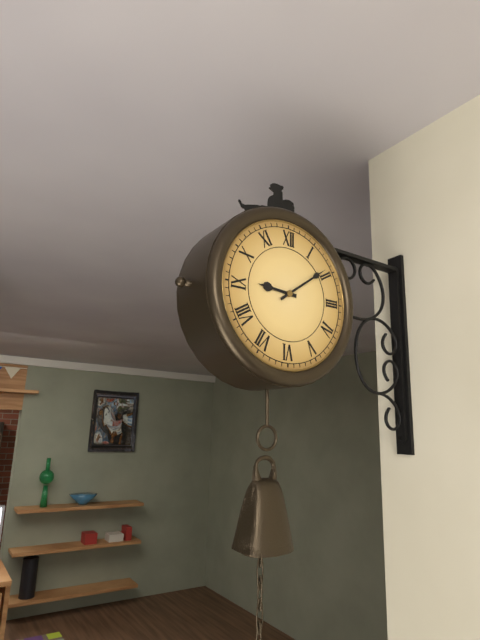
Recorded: h=9 m=9
